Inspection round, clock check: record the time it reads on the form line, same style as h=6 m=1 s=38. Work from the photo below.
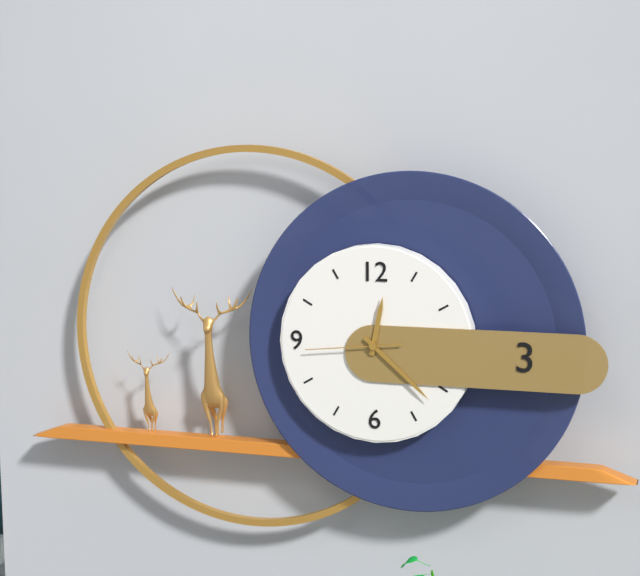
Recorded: h=12 m=22 s=44
